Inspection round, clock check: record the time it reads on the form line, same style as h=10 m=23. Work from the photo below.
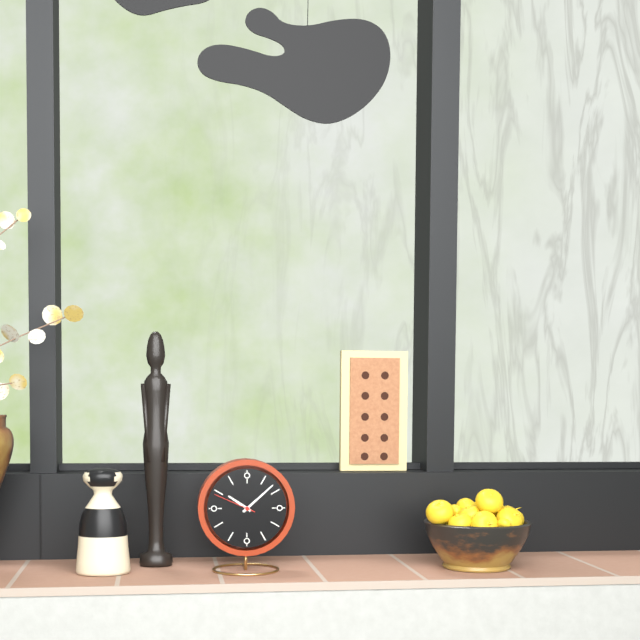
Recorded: h=10 m=8
